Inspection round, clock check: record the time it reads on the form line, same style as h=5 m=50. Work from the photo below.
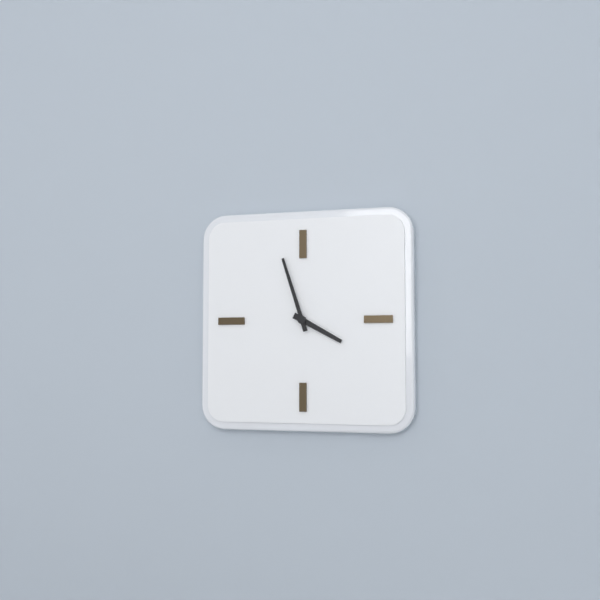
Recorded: h=3 m=57
